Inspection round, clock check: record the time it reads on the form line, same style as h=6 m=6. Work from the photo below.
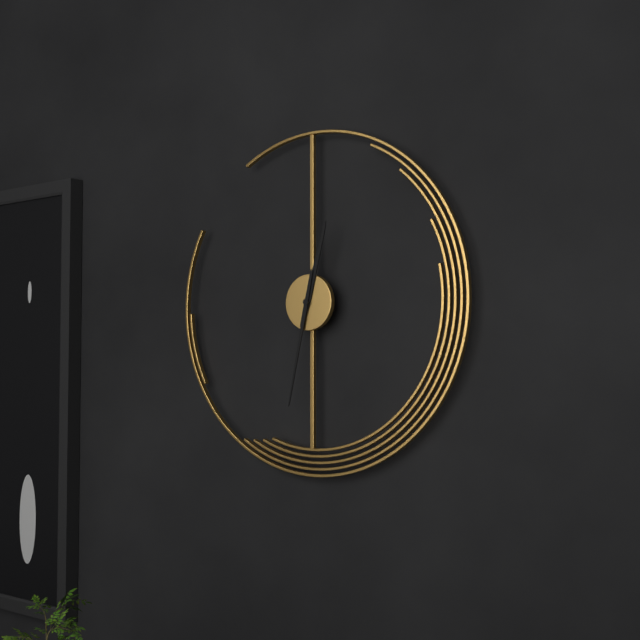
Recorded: h=12 m=32
